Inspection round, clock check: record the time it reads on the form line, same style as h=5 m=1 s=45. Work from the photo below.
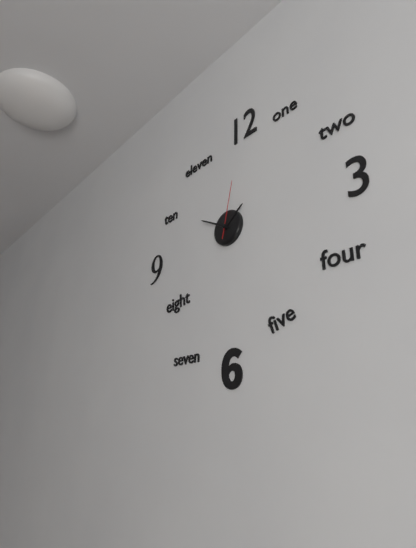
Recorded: h=1 m=50 s=2
